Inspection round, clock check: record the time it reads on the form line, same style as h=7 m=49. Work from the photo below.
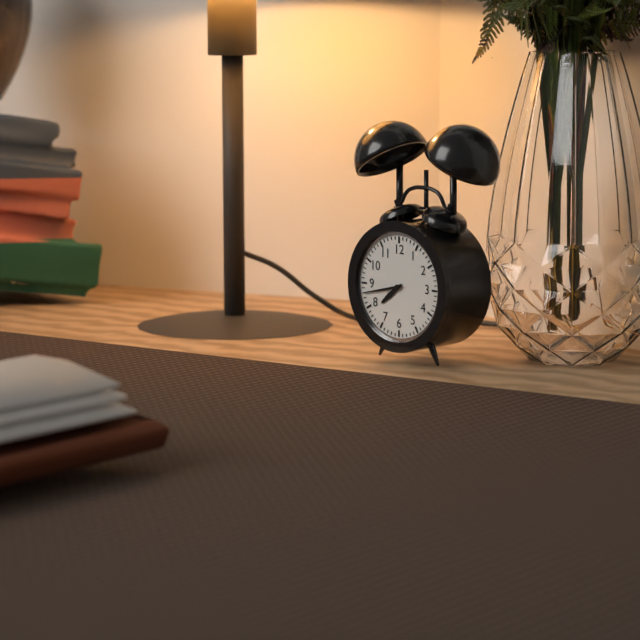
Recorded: h=7 m=43
